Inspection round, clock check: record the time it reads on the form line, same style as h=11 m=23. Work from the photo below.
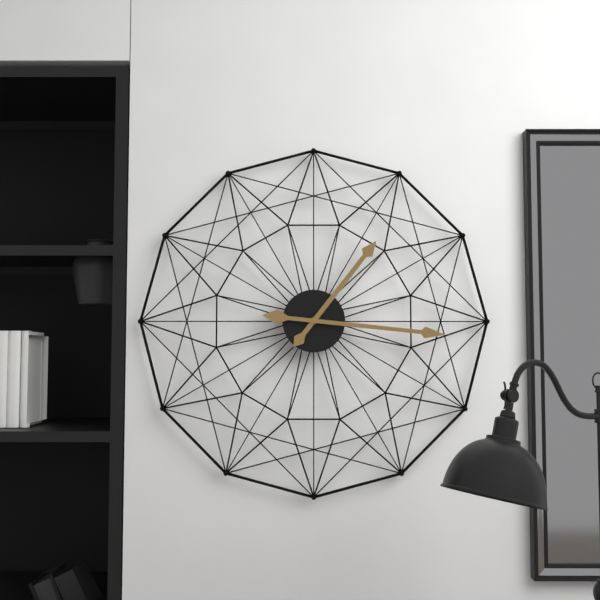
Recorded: h=1 m=16
